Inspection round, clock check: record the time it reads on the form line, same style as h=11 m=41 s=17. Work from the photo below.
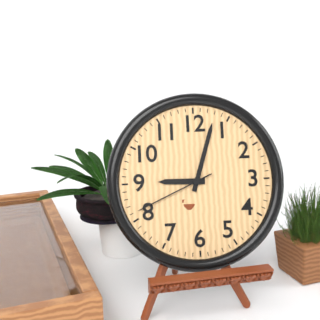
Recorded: h=9 m=3 s=41
